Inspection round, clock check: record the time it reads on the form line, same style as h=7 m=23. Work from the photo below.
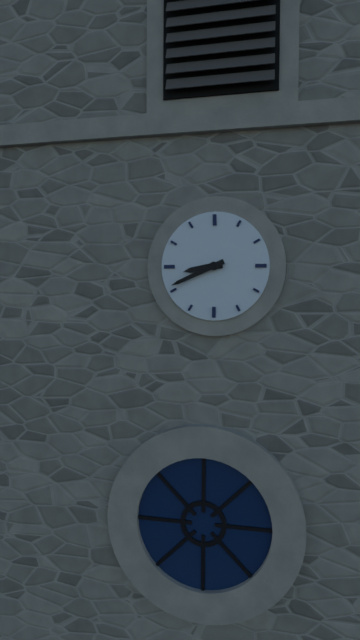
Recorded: h=8 m=41
